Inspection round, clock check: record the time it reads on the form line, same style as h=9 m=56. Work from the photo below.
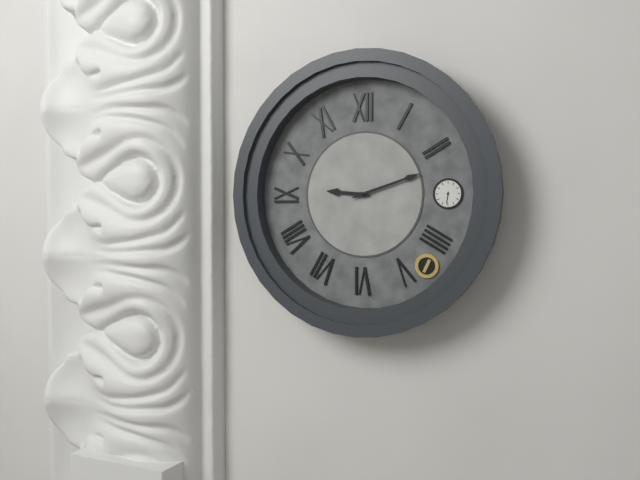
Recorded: h=9 m=12
